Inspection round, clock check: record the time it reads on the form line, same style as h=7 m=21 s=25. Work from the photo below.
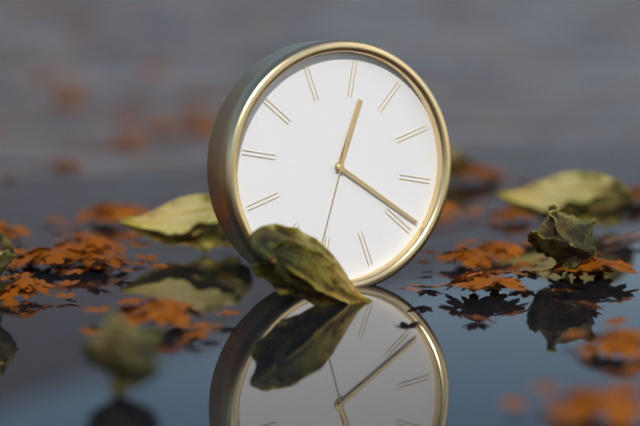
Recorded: h=12 m=19 s=31
